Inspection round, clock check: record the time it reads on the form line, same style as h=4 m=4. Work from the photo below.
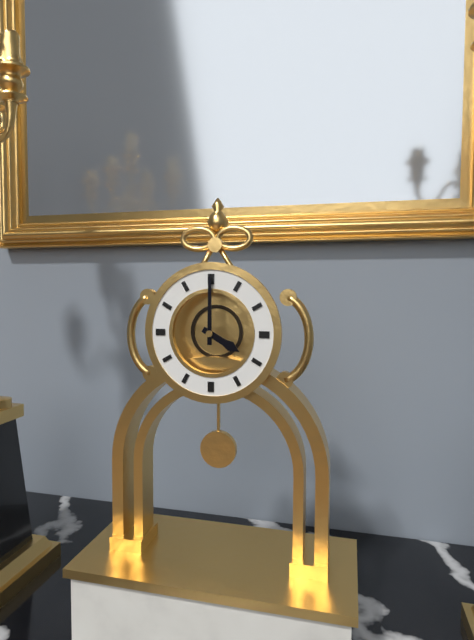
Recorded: h=4 m=0
